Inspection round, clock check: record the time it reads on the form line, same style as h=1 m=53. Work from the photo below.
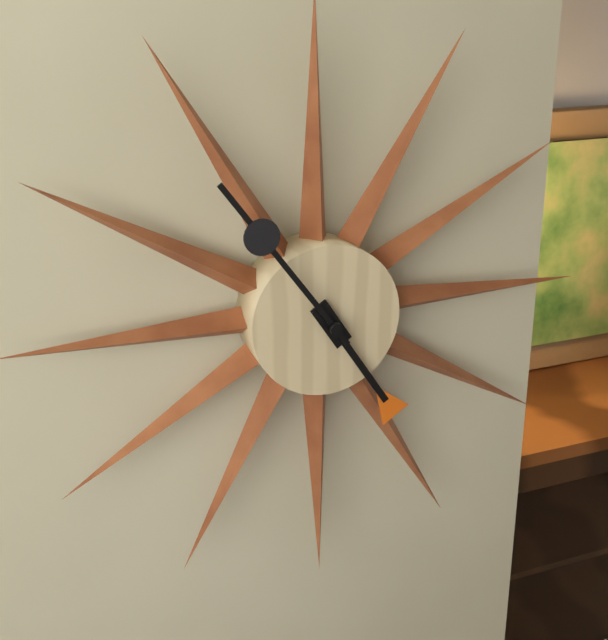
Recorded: h=4 m=54
